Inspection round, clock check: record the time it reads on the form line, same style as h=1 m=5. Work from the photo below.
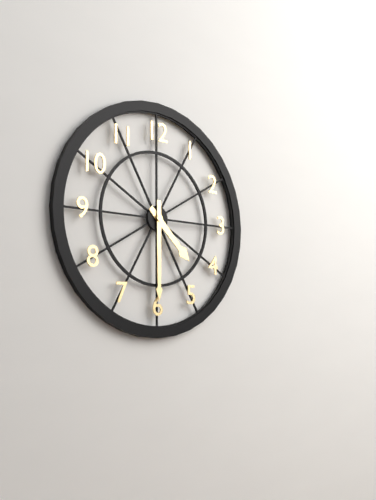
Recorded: h=4 m=30
